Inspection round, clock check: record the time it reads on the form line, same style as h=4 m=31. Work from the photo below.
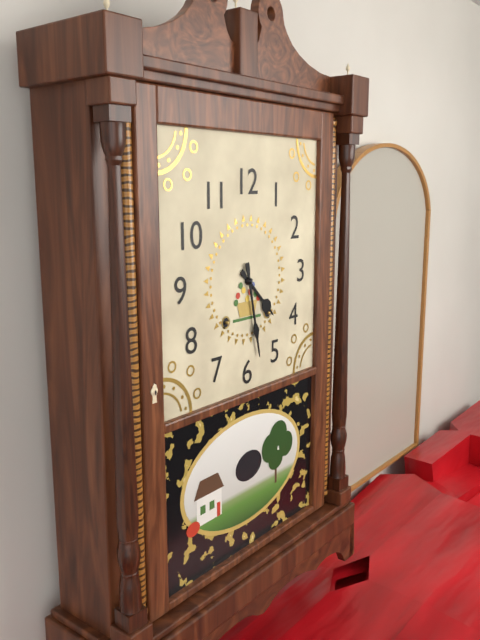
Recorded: h=4 m=28
